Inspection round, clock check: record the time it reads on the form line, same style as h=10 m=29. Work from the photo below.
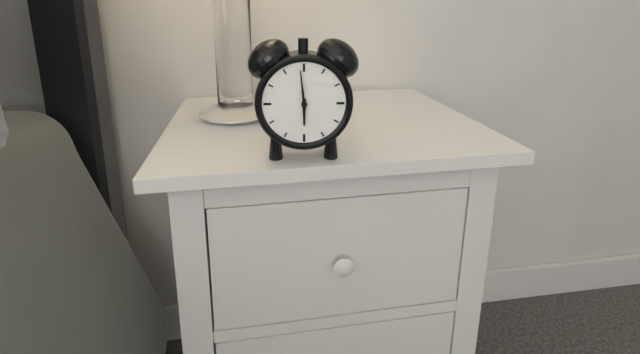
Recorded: h=5 m=59
